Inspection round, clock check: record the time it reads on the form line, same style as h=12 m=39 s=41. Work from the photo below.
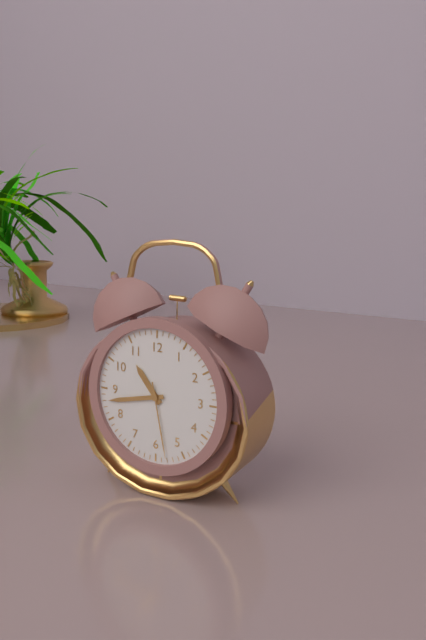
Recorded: h=10 m=43 s=28
